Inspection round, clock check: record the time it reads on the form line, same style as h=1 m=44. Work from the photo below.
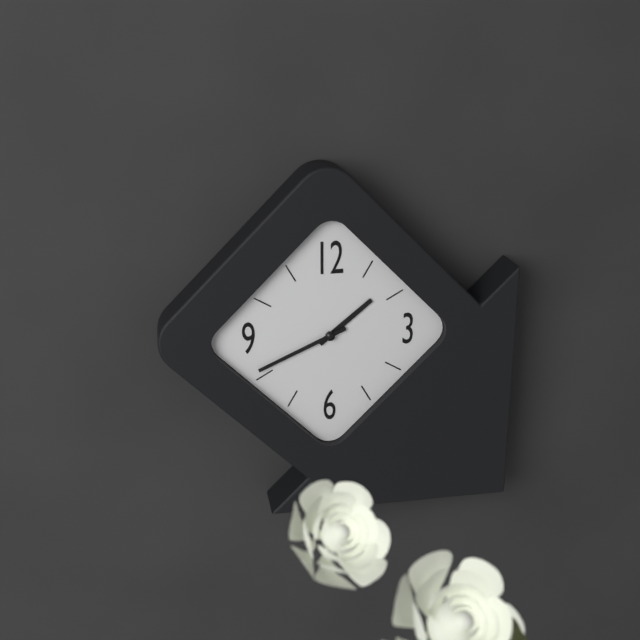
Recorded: h=1 m=41
